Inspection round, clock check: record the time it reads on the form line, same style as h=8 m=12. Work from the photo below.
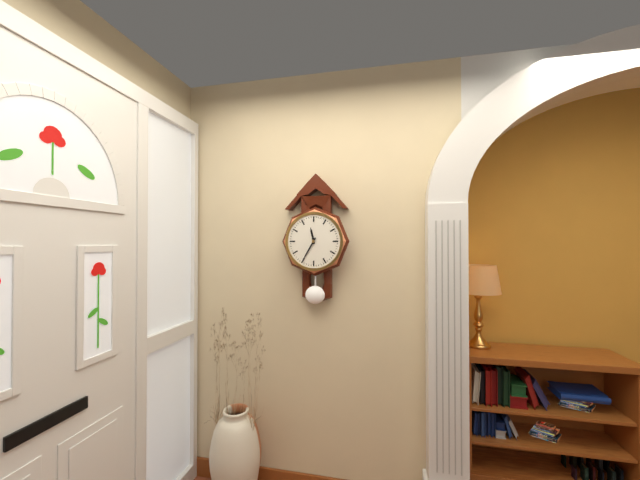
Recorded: h=11 m=35
